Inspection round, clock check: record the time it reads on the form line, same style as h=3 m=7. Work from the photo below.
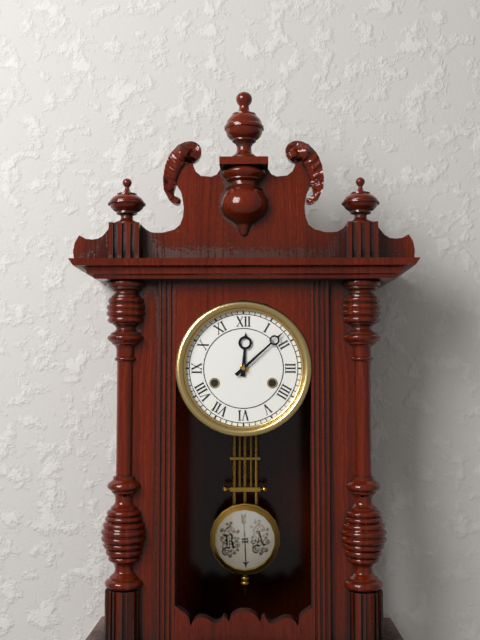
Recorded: h=12 m=8
